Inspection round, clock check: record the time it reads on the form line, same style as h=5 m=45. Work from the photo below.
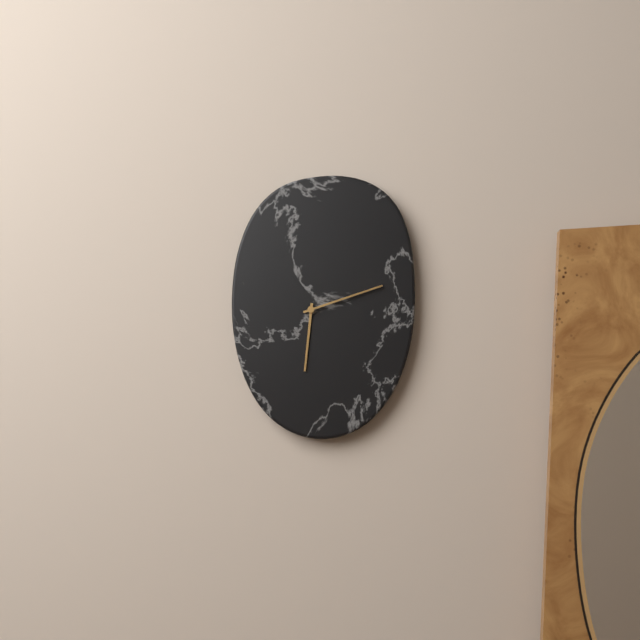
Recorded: h=6 m=12
